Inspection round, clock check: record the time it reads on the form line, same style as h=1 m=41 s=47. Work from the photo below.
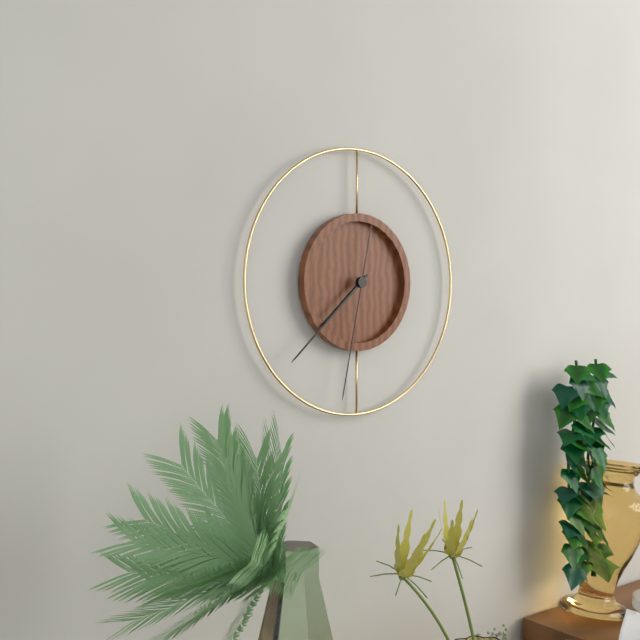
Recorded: h=7 m=38 s=32
